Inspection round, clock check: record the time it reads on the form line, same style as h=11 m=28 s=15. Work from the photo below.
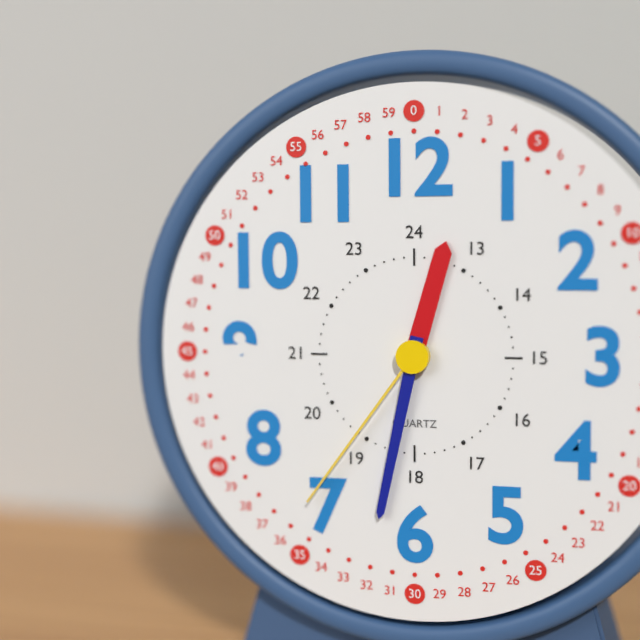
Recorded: h=12 m=32 s=36
